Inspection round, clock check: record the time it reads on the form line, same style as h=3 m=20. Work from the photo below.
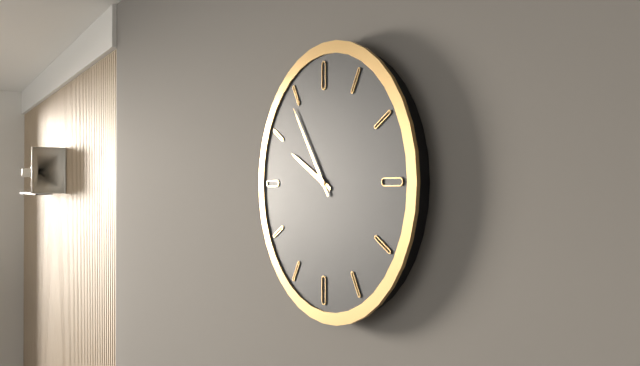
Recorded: h=9 m=54
